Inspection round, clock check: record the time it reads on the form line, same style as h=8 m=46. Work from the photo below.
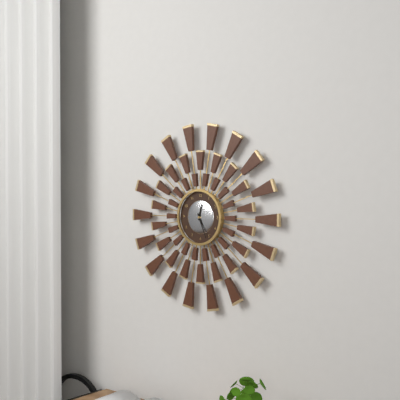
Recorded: h=12 m=26
